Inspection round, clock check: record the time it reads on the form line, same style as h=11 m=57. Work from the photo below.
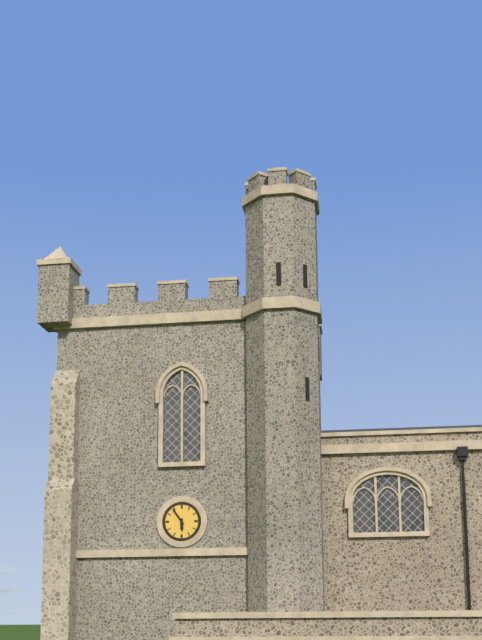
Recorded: h=5 m=54
